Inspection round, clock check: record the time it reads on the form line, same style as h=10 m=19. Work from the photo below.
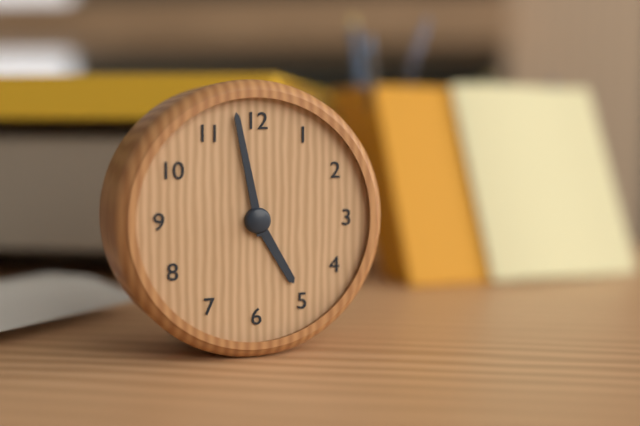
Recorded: h=4 m=58
